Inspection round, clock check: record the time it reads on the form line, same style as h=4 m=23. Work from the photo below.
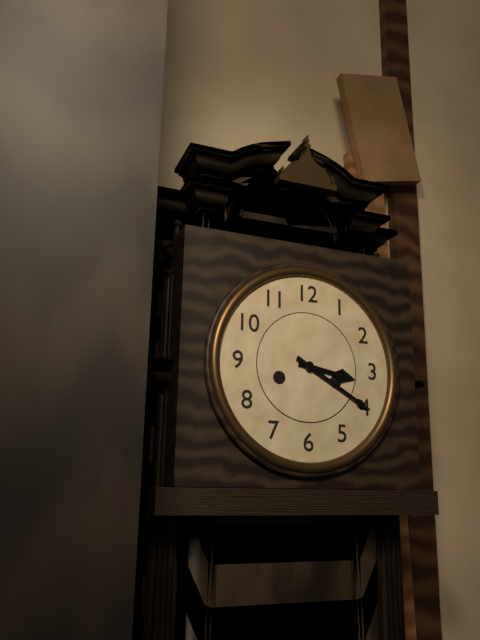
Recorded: h=3 m=20
